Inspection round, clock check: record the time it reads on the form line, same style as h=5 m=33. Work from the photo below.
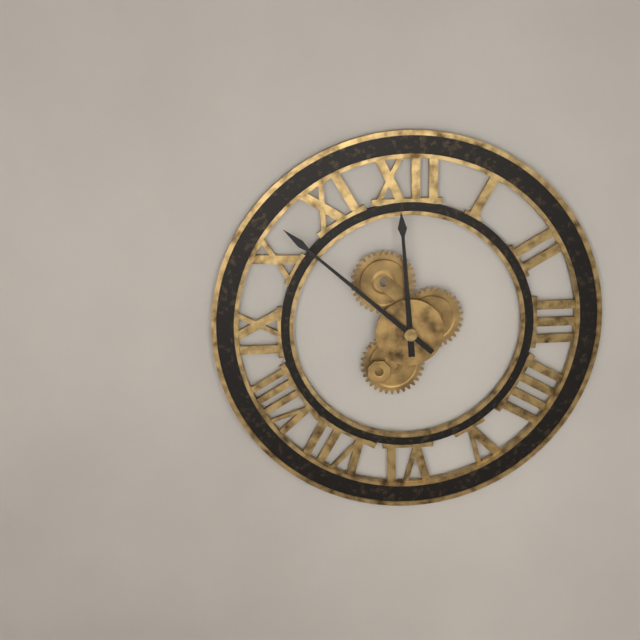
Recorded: h=11 m=52
